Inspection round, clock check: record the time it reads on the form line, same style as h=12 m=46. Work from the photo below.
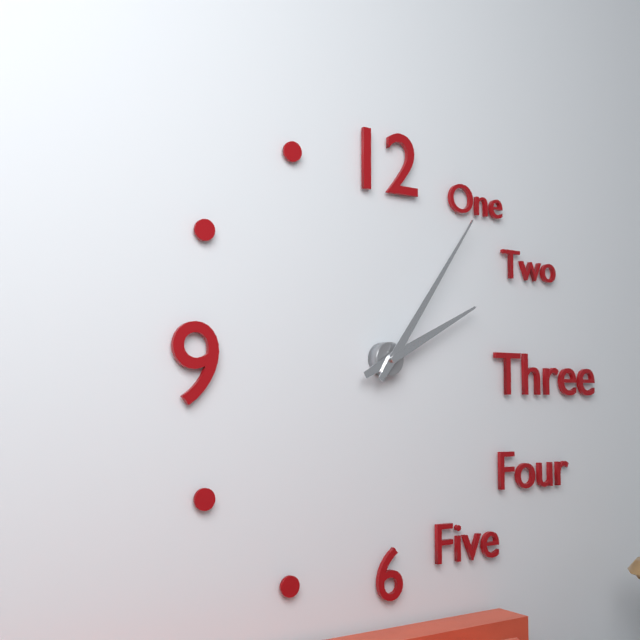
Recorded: h=2 m=6
